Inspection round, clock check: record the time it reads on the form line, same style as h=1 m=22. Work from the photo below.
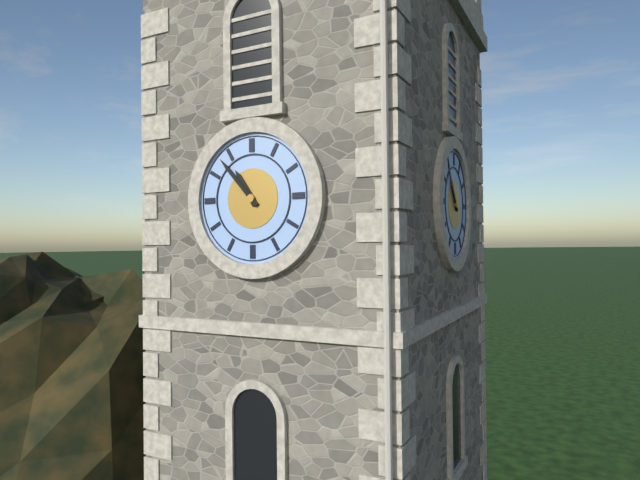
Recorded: h=10 m=53
